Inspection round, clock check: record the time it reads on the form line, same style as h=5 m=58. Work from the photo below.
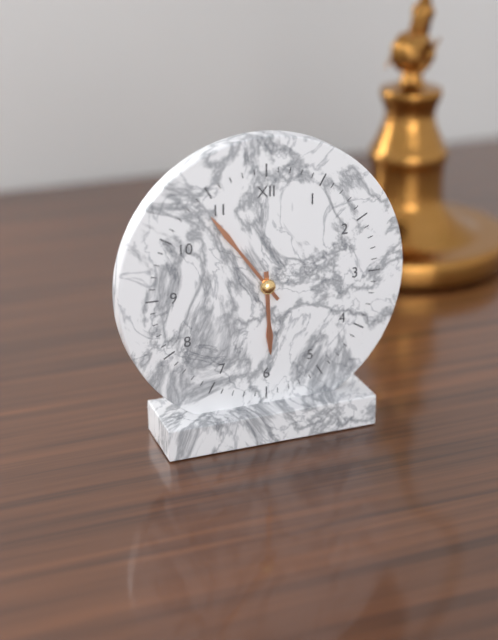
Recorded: h=5 m=54
